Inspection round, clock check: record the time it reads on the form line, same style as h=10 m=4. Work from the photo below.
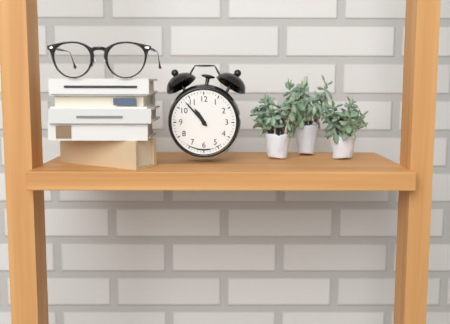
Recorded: h=10 m=53
